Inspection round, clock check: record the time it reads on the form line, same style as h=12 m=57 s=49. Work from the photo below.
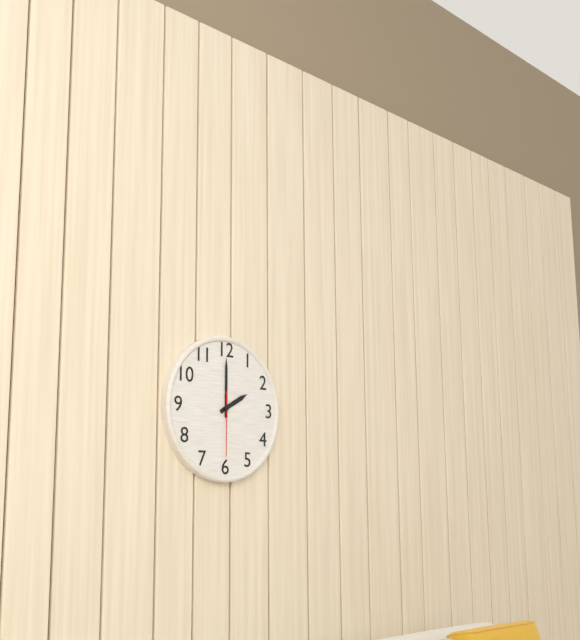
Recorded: h=2 m=0 s=30
